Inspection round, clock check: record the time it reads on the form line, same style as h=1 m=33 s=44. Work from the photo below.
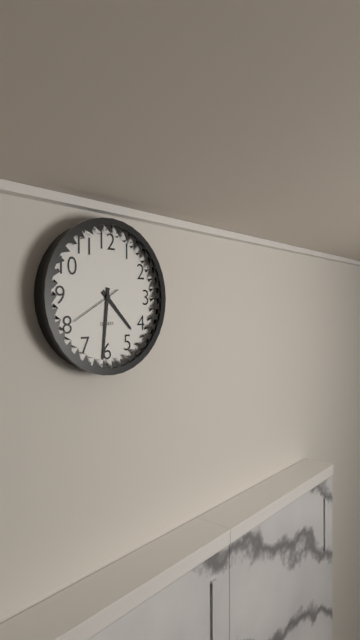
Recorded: h=4 m=31 s=40
